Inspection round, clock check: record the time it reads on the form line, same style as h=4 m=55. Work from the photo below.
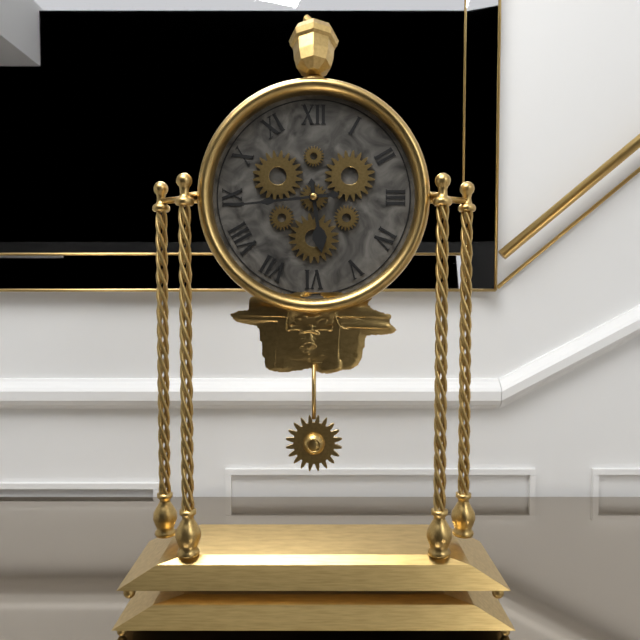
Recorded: h=5 m=44
